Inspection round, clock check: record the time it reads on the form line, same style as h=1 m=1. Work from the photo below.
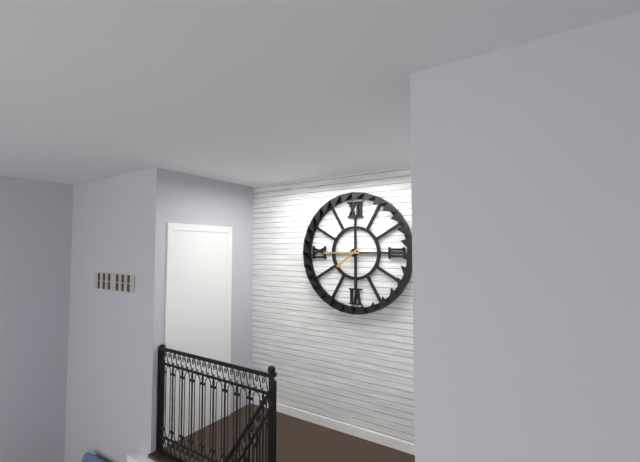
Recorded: h=7 m=45
